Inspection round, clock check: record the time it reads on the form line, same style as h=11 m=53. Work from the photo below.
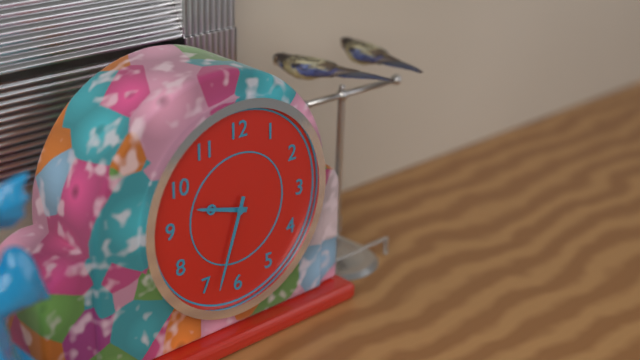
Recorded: h=9 m=33
